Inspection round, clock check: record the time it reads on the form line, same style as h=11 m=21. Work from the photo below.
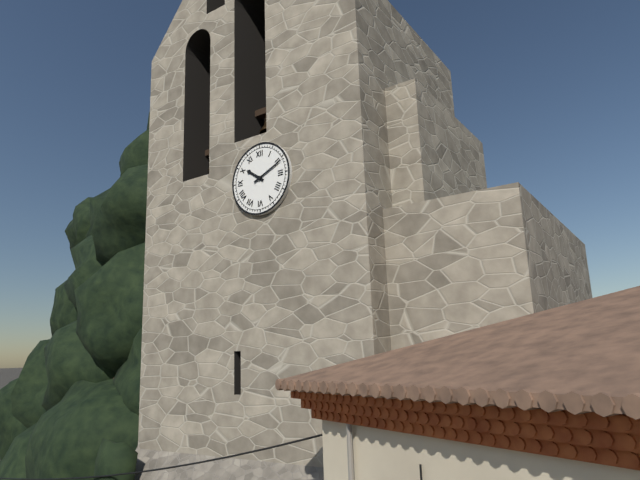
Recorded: h=10 m=11
